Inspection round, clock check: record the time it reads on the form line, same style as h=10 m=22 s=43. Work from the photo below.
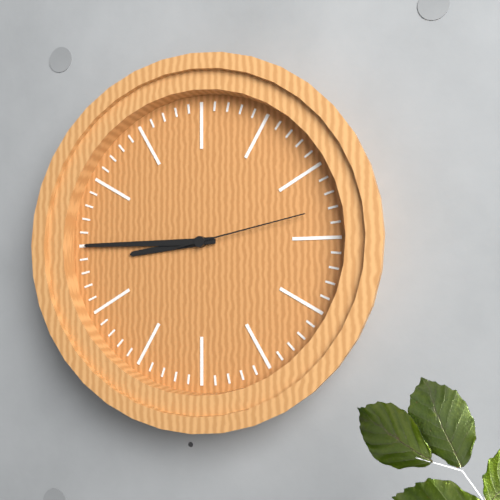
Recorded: h=8 m=45 s=13
